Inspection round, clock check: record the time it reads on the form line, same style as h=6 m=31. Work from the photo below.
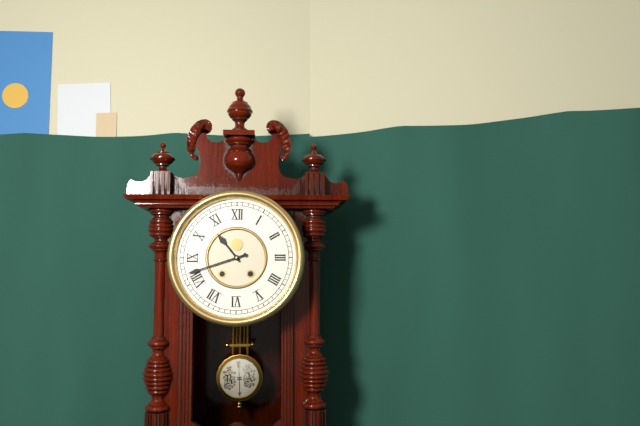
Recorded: h=10 m=42
